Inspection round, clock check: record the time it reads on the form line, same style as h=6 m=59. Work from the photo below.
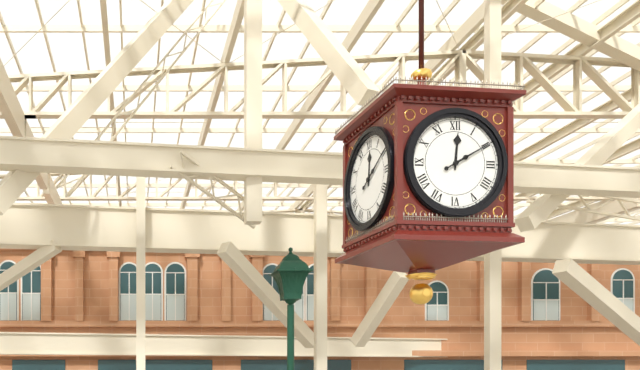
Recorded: h=12 m=10
